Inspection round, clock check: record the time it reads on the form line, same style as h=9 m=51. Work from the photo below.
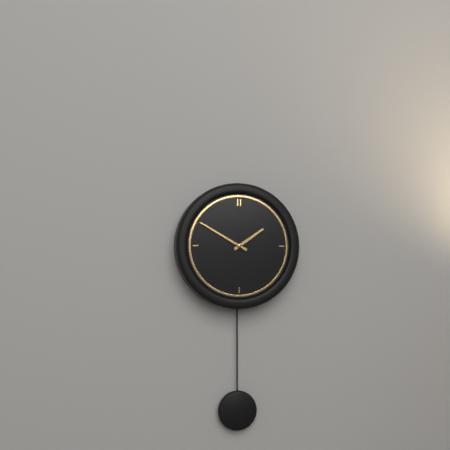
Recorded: h=1 m=50
